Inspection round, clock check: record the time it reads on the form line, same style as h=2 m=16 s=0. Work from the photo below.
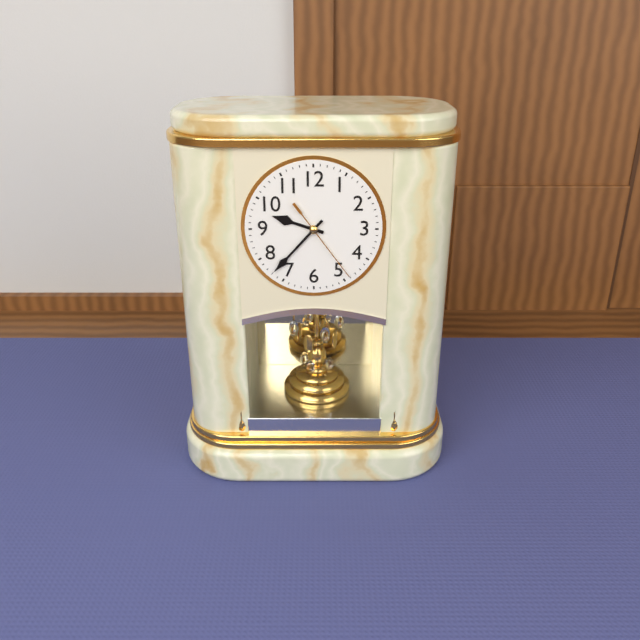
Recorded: h=9 m=37 s=24
